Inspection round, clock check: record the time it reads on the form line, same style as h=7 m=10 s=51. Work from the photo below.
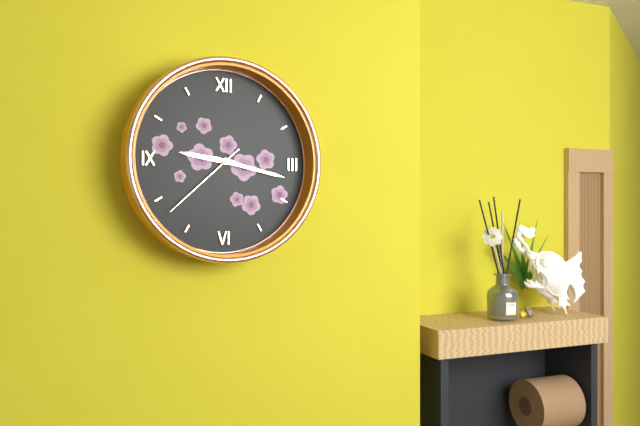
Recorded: h=9 m=17 s=38
